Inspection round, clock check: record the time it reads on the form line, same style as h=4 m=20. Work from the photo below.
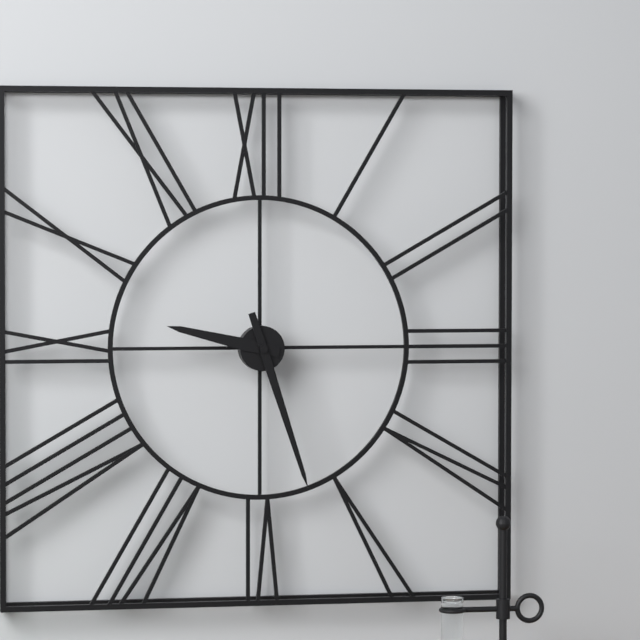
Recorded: h=9 m=27
